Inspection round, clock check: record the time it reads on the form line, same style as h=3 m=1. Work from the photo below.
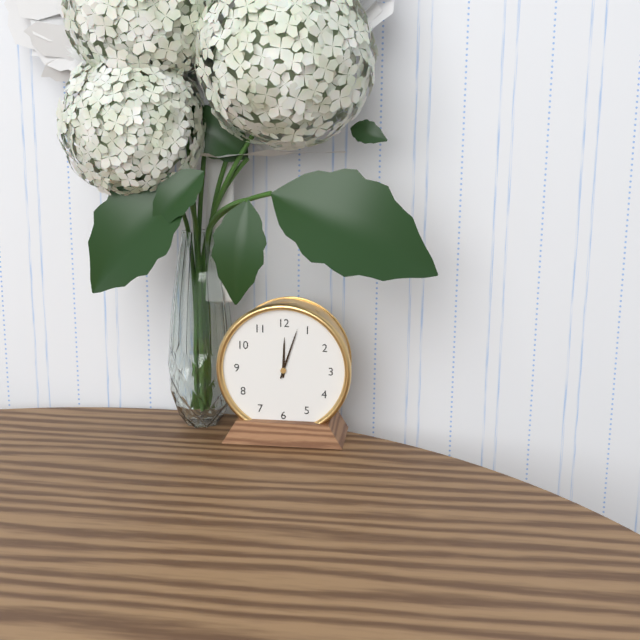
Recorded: h=12 m=3
